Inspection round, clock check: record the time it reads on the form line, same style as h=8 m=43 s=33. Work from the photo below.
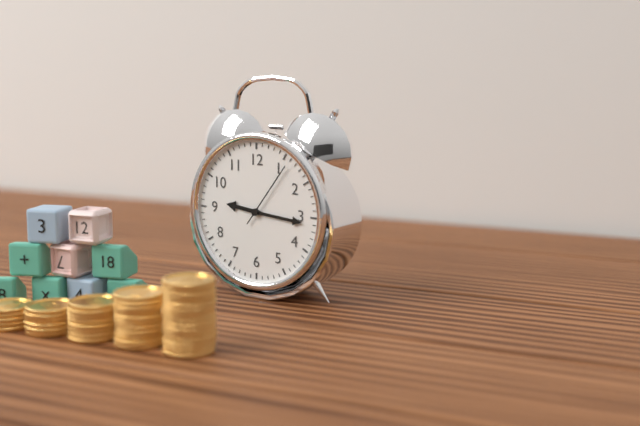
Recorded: h=9 m=16 s=6
